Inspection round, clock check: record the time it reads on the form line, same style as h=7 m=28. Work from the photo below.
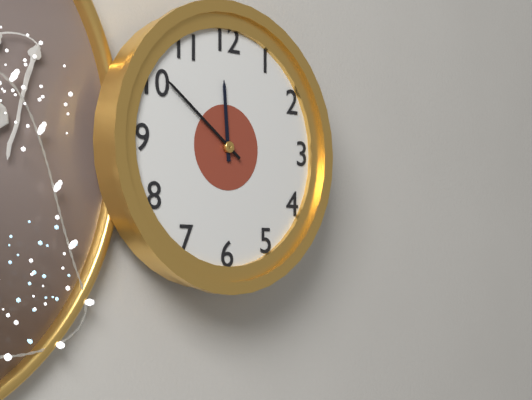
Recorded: h=11 m=51
